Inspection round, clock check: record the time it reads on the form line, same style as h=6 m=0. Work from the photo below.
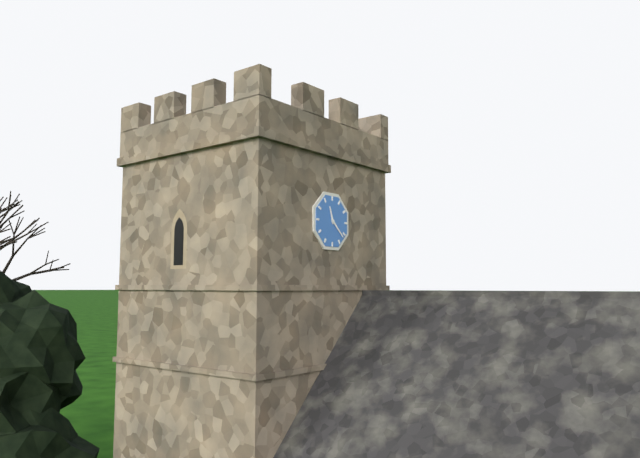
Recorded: h=11 m=22
